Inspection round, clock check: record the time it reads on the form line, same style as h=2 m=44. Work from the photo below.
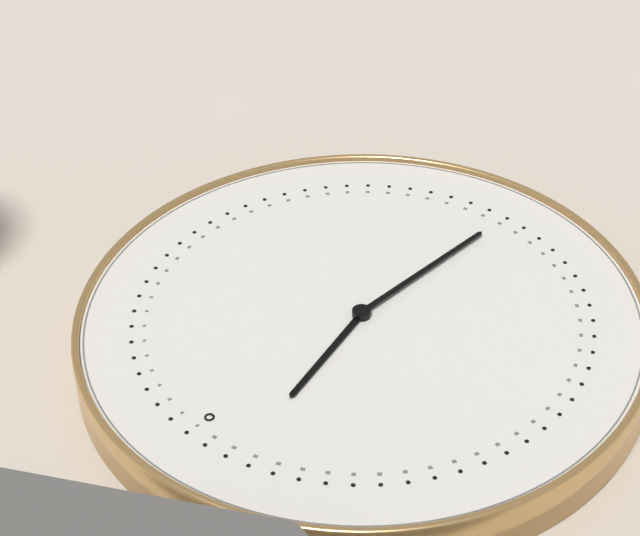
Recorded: h=11 m=30
